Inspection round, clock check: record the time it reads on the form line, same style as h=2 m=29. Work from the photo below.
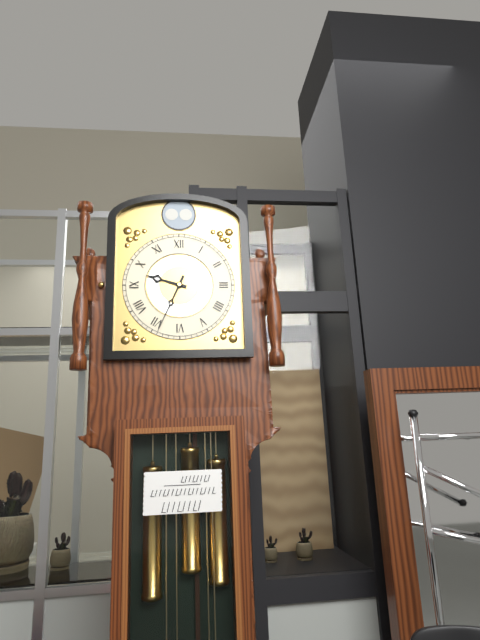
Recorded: h=9 m=34
